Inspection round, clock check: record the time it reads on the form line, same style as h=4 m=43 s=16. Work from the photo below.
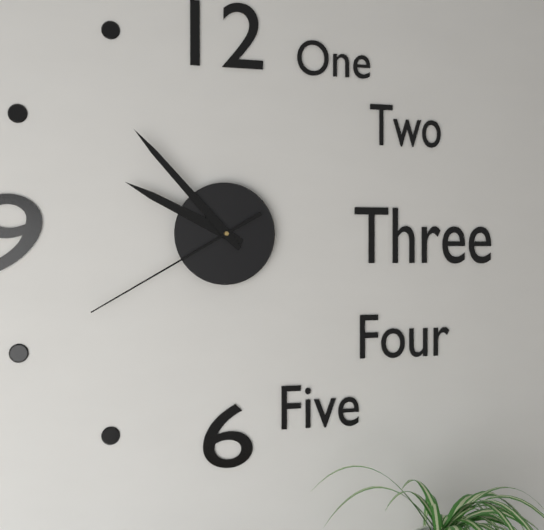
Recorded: h=9 m=53 s=40
